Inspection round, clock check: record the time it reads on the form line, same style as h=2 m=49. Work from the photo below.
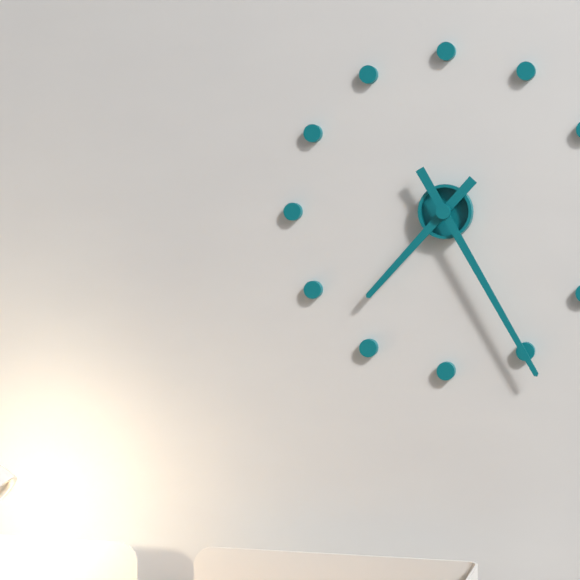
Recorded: h=7 m=25
